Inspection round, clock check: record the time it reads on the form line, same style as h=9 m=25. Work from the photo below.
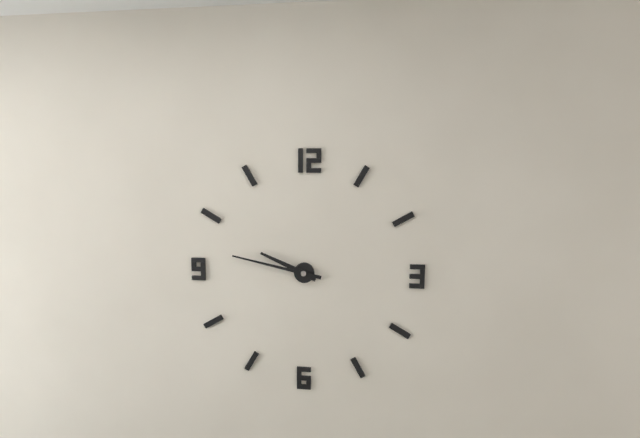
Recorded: h=9 m=47
